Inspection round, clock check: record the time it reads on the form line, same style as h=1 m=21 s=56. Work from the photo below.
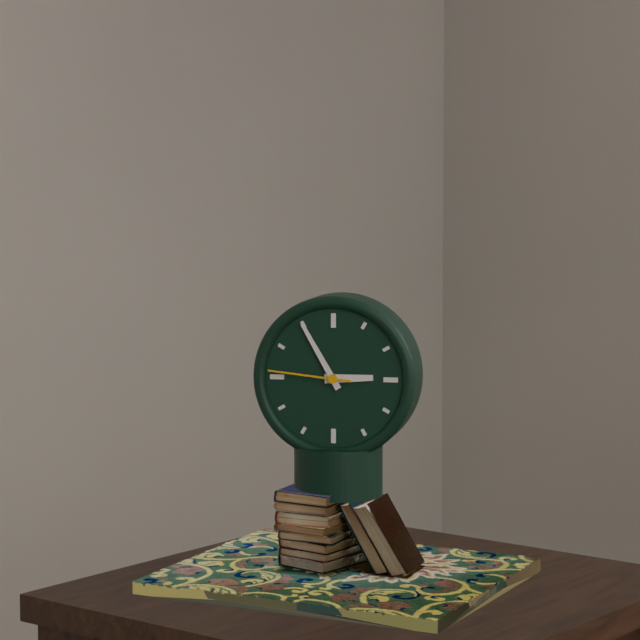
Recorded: h=2 m=55 s=46
